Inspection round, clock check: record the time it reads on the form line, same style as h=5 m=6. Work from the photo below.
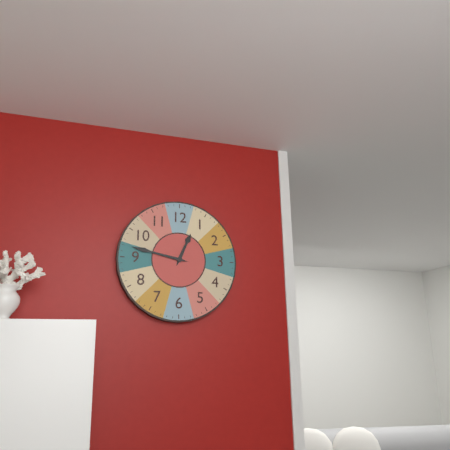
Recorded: h=12 m=47
